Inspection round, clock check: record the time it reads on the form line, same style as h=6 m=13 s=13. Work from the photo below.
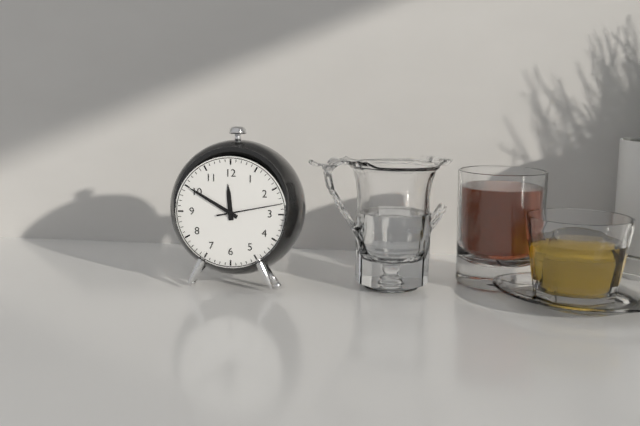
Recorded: h=11 m=50 s=13
